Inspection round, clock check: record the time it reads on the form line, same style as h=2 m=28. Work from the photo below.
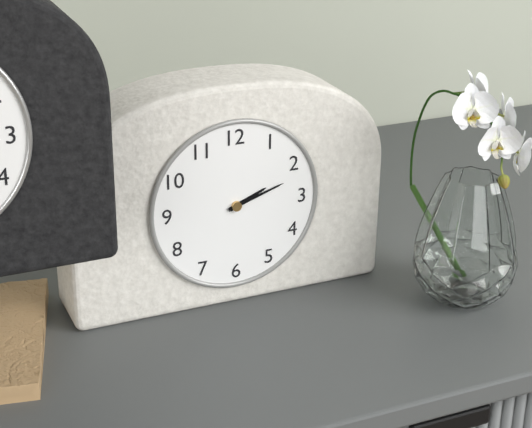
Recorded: h=2 m=12
